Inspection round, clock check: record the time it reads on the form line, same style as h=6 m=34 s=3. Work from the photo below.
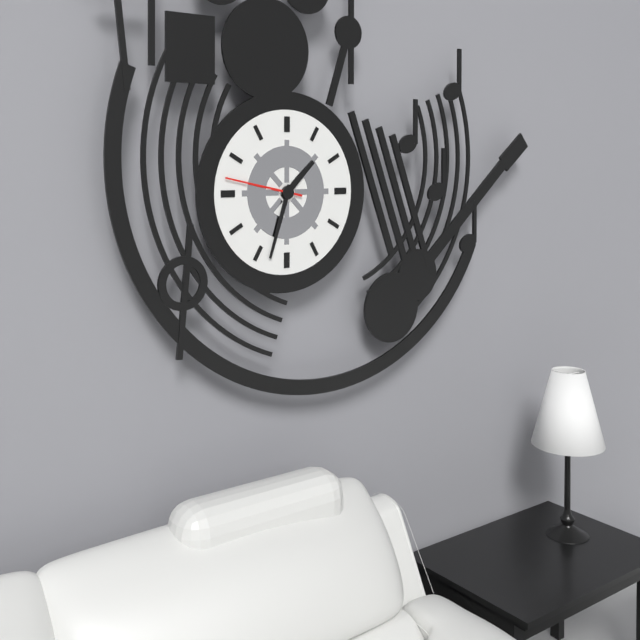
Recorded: h=1 m=33 s=47
